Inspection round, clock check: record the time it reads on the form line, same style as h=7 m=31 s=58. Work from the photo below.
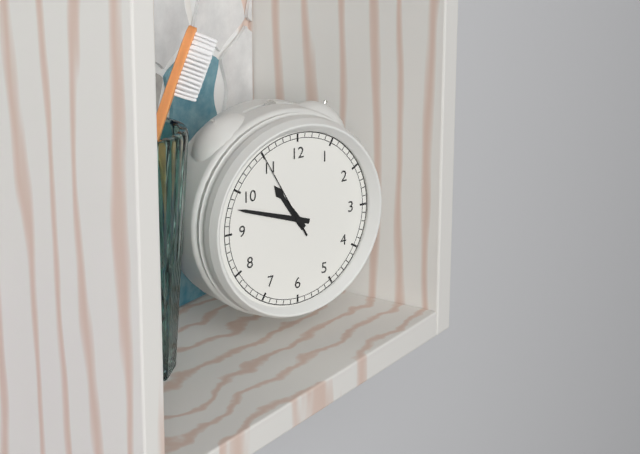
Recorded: h=10 m=48 s=55
